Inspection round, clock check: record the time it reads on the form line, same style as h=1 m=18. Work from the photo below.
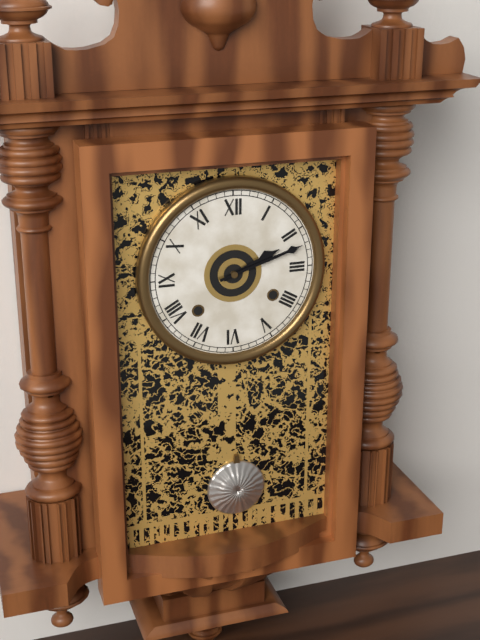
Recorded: h=2 m=12
